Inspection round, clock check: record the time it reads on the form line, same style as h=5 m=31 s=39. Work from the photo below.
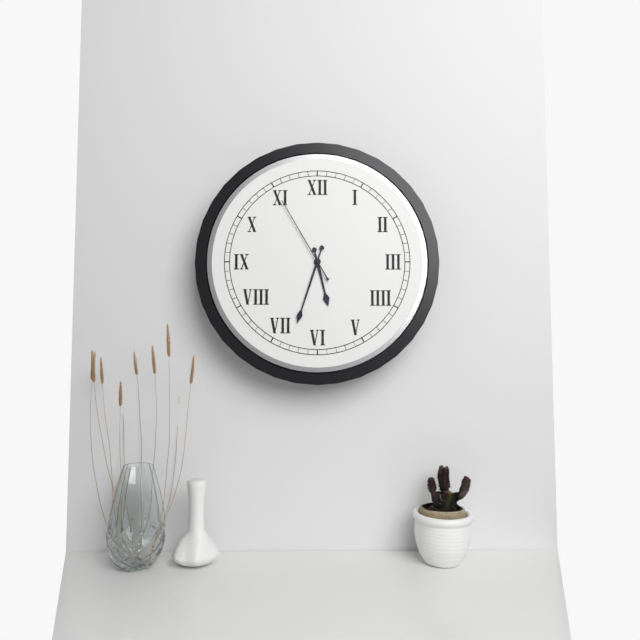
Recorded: h=5 m=33 s=55
